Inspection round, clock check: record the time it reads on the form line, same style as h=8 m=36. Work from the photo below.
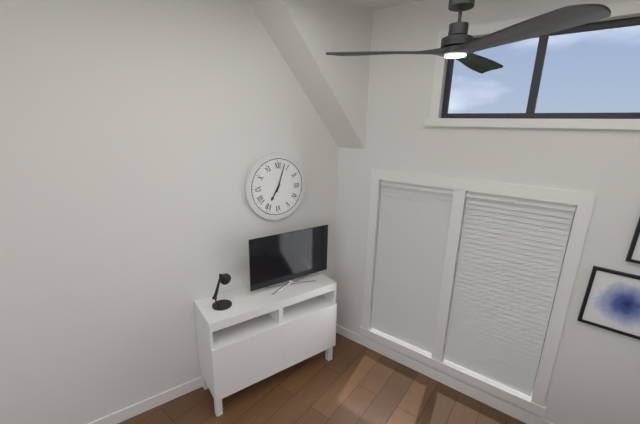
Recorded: h=7 m=3
